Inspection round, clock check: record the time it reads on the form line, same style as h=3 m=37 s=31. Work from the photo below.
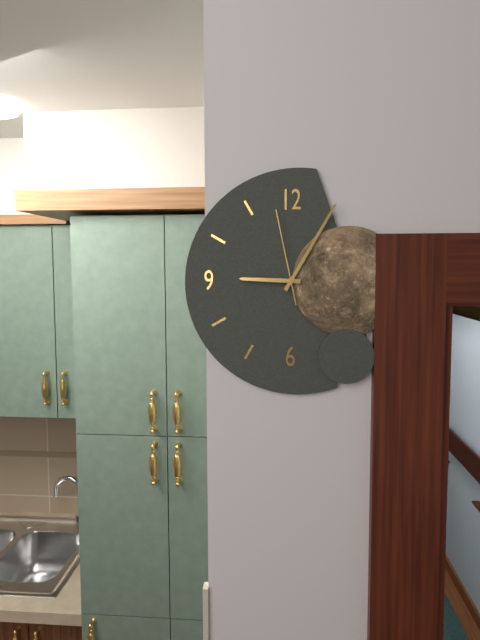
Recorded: h=9 m=5 s=58
